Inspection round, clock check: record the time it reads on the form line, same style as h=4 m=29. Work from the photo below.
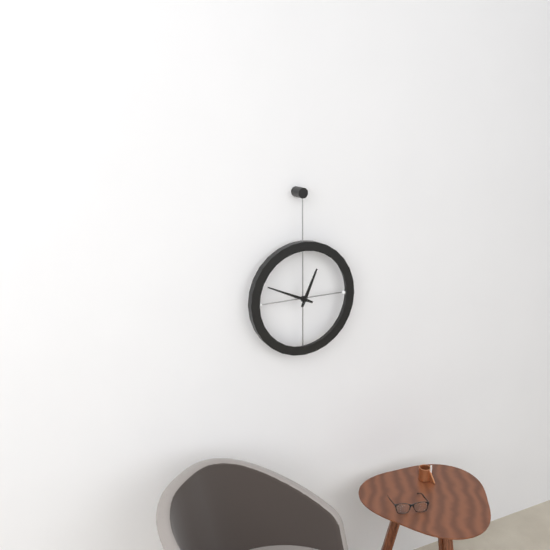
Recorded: h=12 m=49
